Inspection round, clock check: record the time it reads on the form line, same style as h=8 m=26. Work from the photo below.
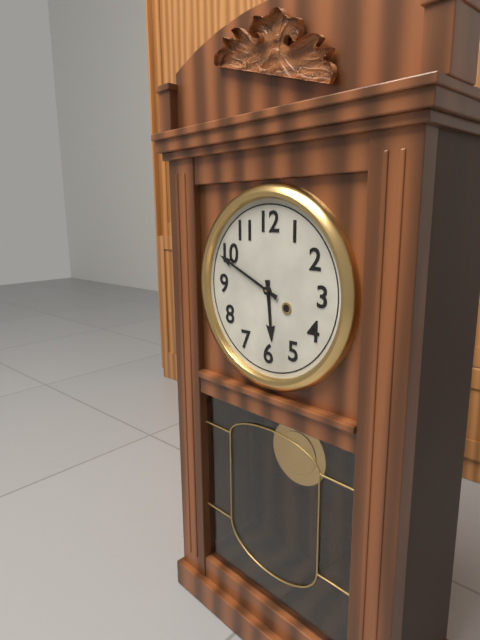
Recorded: h=5 m=49
